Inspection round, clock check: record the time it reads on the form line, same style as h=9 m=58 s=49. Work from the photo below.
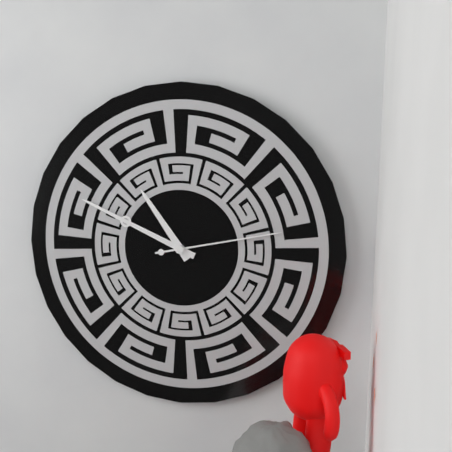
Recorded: h=10 m=49 s=13
